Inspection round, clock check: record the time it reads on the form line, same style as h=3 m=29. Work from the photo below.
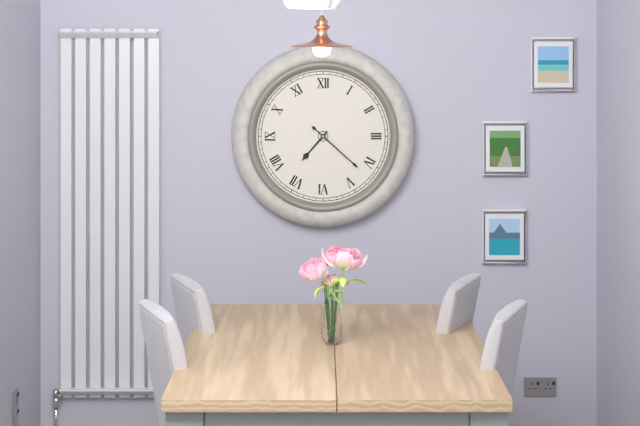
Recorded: h=7 m=22
